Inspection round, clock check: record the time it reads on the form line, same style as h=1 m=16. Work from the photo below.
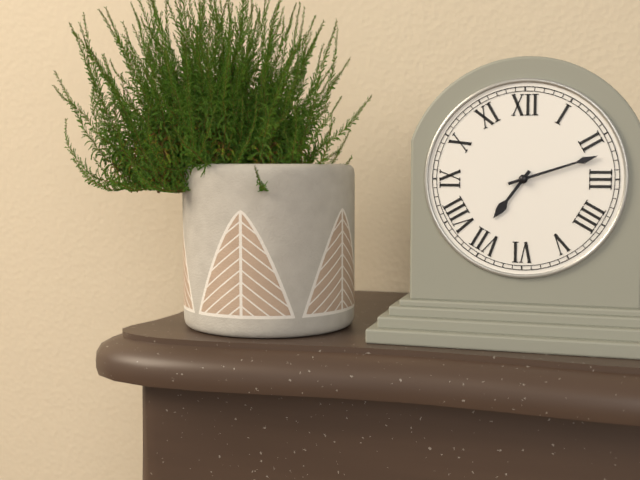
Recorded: h=7 m=12
